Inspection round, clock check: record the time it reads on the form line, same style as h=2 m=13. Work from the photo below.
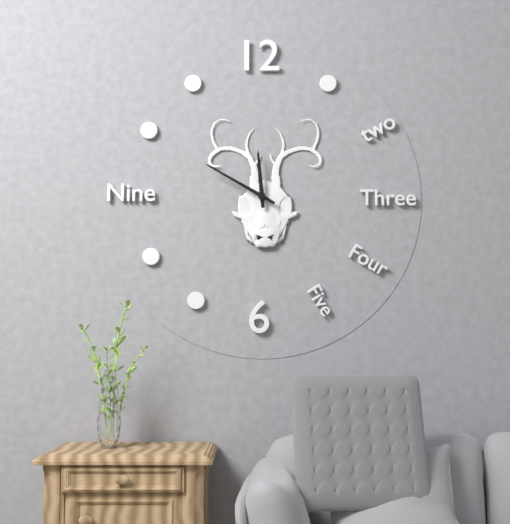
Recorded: h=11 m=50
